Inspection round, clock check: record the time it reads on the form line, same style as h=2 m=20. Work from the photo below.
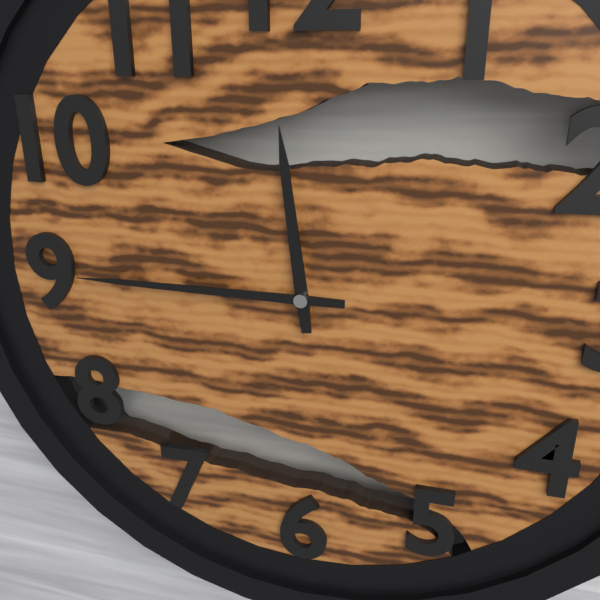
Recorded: h=11 m=45
